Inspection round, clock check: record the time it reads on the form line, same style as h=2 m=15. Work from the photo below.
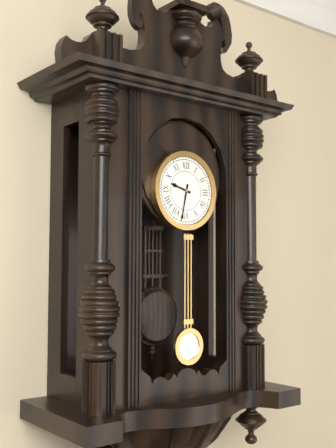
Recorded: h=9 m=32
